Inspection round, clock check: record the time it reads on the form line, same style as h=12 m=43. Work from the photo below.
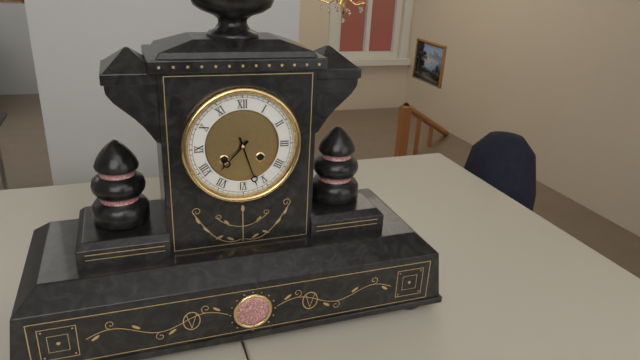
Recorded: h=7 m=27
